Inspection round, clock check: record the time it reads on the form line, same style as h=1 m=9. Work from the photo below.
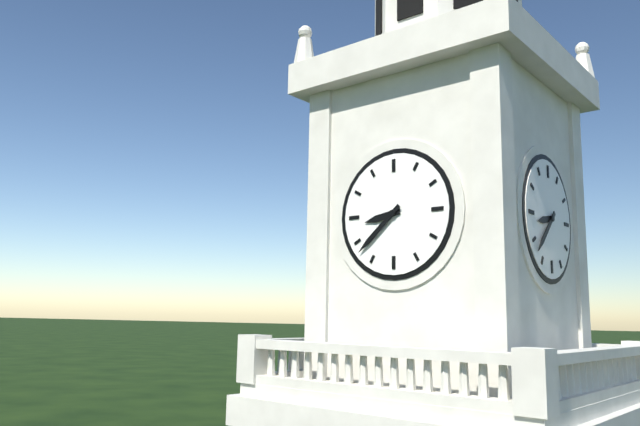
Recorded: h=8 m=38
